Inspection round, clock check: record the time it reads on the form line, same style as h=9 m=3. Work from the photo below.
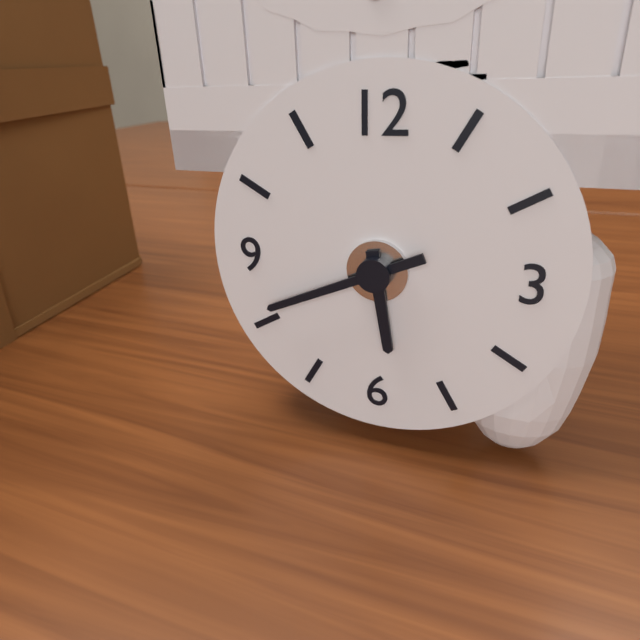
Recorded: h=5 m=41
